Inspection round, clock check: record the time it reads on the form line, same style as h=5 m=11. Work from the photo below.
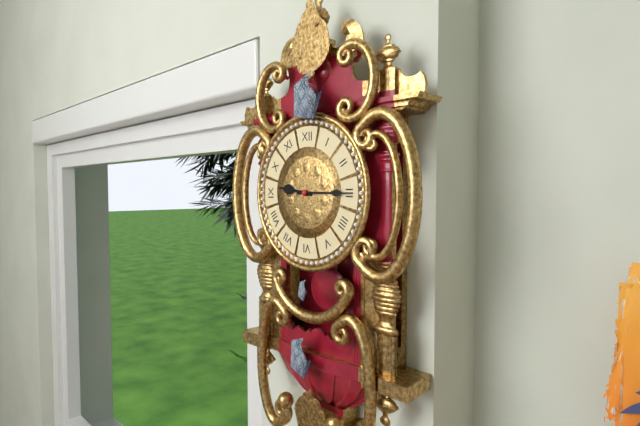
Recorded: h=9 m=15
